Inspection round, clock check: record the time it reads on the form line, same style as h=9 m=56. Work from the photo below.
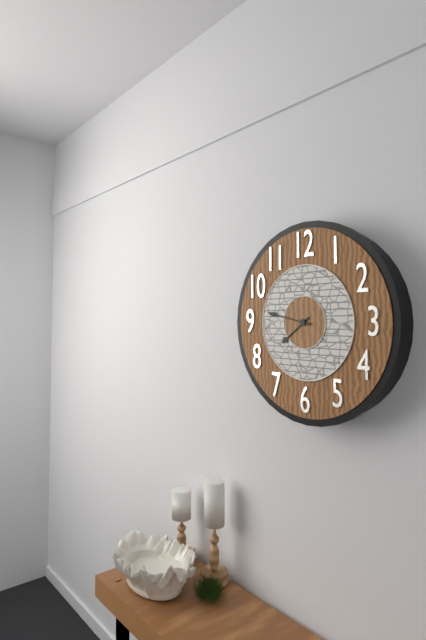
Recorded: h=7 m=47
